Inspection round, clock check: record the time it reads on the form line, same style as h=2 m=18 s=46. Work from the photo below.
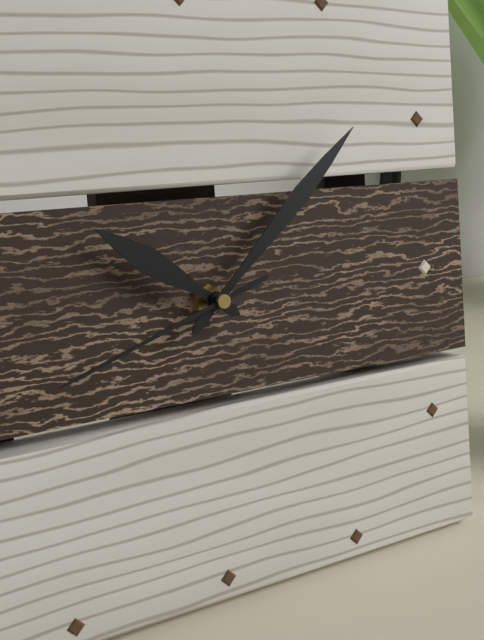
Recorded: h=10 m=8 s=42
